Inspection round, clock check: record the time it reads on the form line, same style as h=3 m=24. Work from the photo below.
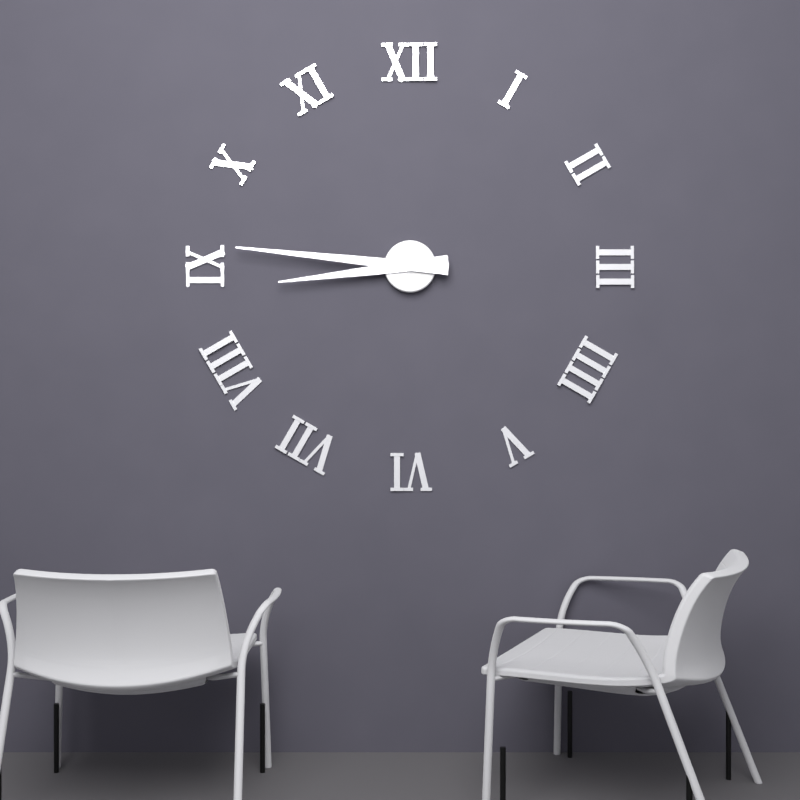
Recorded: h=8 m=46
